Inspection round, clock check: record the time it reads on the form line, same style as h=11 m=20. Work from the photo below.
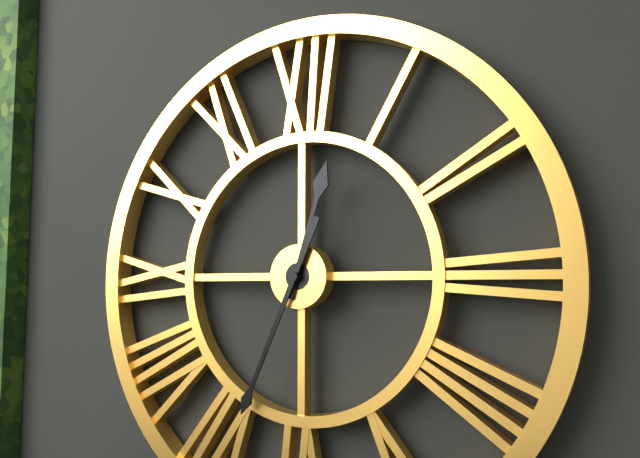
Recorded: h=12 m=34
